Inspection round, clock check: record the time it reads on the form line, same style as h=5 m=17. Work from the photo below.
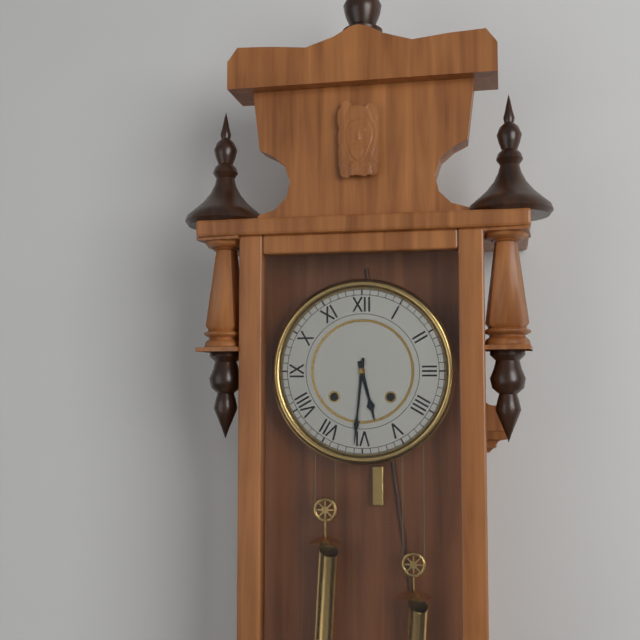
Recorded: h=5 m=31
